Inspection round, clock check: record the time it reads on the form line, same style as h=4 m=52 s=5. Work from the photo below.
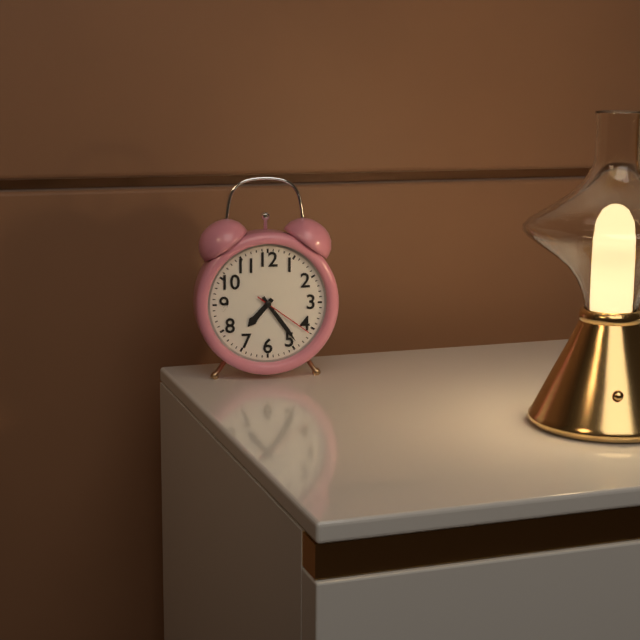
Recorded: h=7 m=24 s=21
